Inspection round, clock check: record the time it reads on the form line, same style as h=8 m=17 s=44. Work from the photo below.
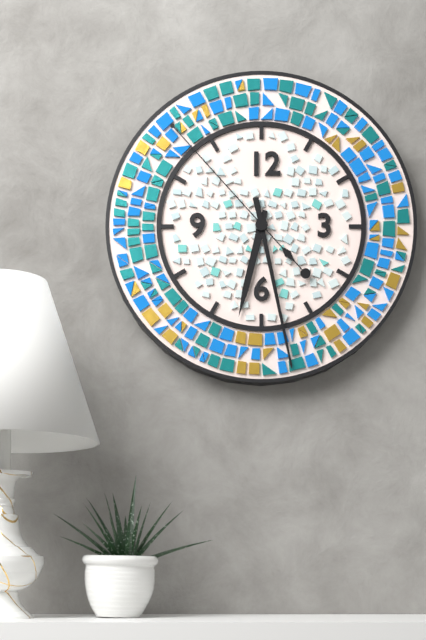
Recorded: h=6 m=28 s=53
